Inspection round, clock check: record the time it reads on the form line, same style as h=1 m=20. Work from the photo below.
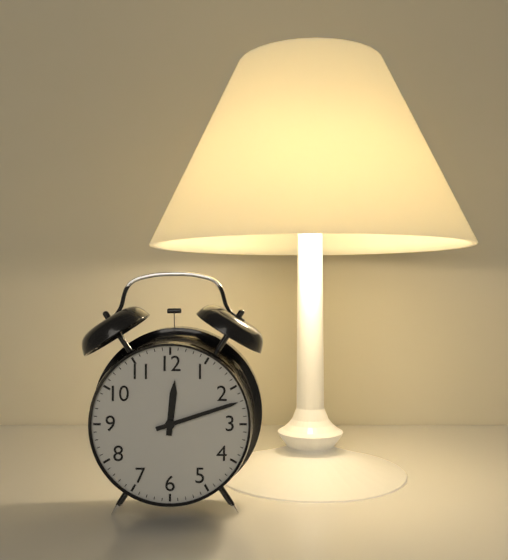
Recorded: h=12 m=12
